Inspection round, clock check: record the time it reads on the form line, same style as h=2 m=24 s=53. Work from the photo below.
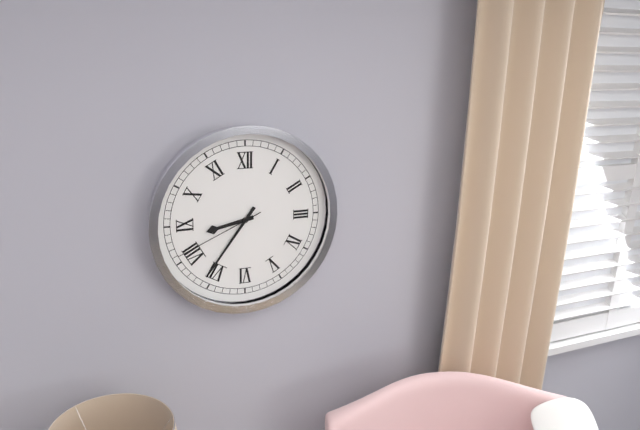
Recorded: h=8 m=36 s=41
